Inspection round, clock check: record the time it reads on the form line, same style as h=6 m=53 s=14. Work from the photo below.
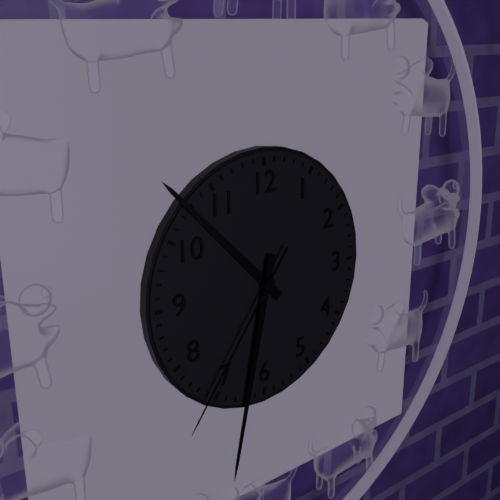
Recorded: h=10 m=32 s=36
